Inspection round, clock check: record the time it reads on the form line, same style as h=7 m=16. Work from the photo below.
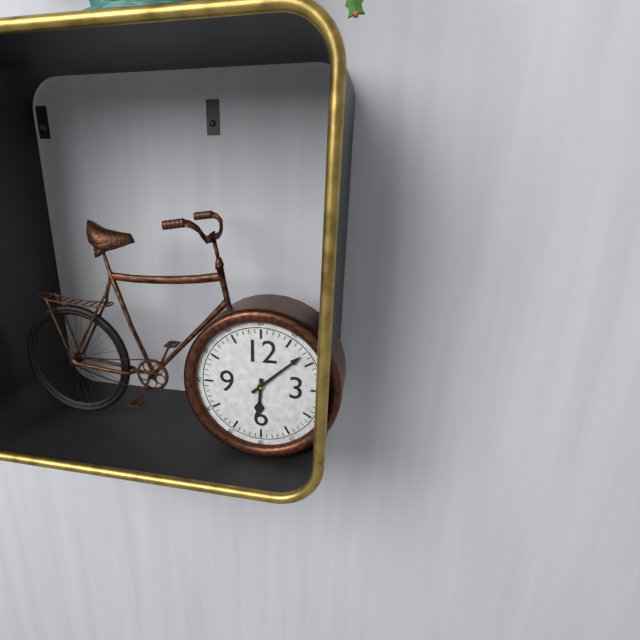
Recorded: h=6 m=8
